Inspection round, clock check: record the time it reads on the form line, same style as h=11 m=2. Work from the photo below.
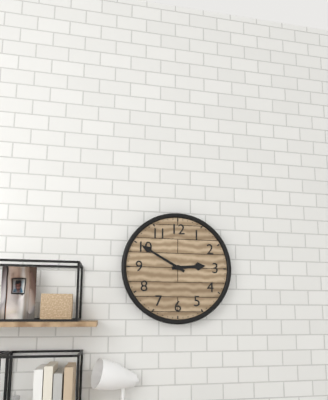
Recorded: h=2 m=50
